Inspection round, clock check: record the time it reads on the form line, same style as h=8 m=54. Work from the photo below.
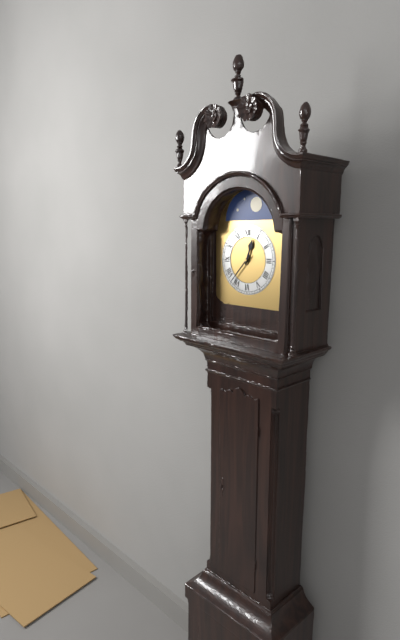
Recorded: h=12 m=37
